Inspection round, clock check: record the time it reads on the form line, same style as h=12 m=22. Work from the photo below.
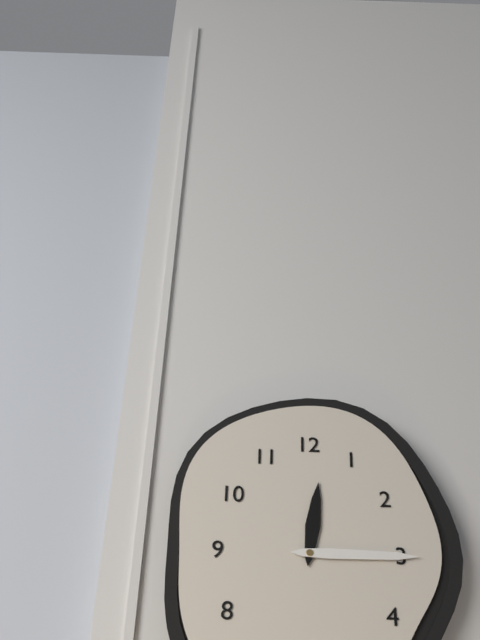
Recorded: h=12 m=15
